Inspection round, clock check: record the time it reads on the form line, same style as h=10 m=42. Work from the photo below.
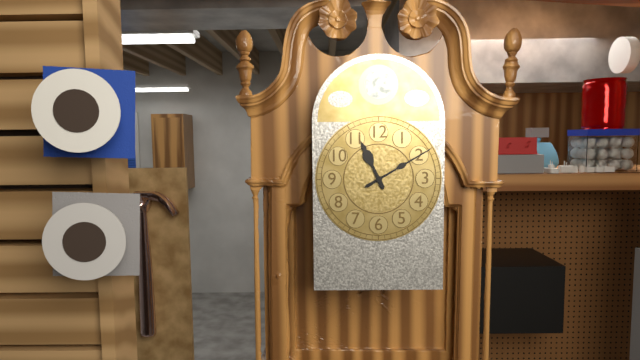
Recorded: h=11 m=10
